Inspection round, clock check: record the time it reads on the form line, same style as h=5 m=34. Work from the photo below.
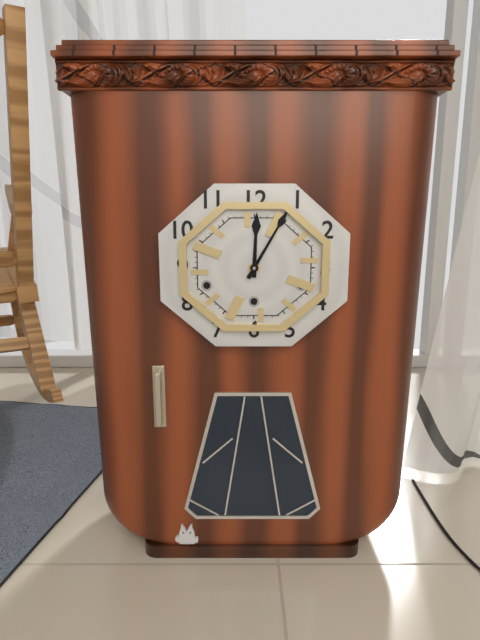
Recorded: h=12 m=5
